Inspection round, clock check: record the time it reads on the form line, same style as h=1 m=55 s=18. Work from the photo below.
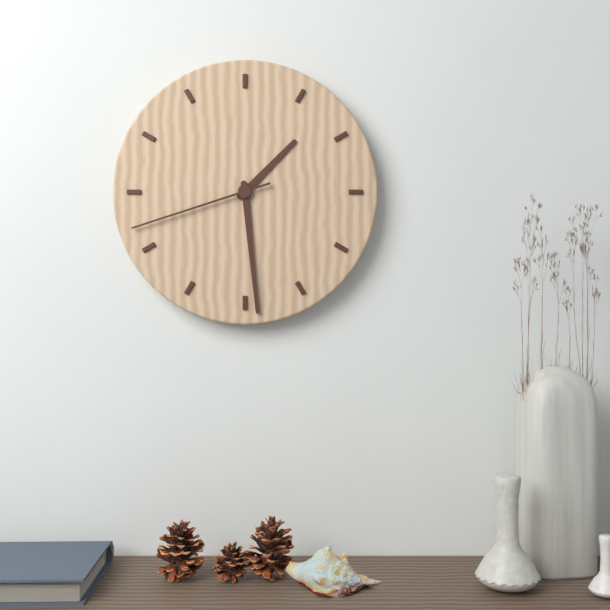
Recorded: h=1 m=29 s=42
